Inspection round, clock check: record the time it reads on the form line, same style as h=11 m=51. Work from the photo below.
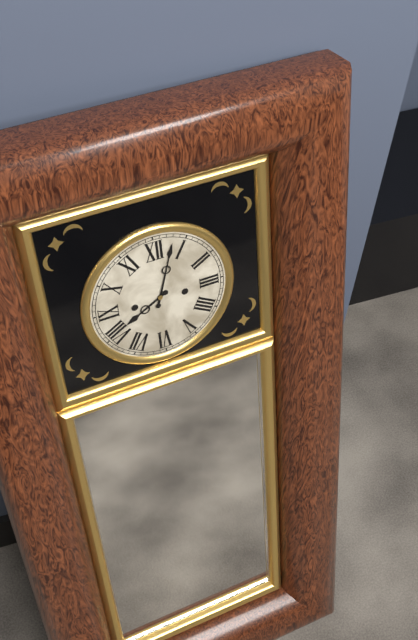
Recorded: h=8 m=3
